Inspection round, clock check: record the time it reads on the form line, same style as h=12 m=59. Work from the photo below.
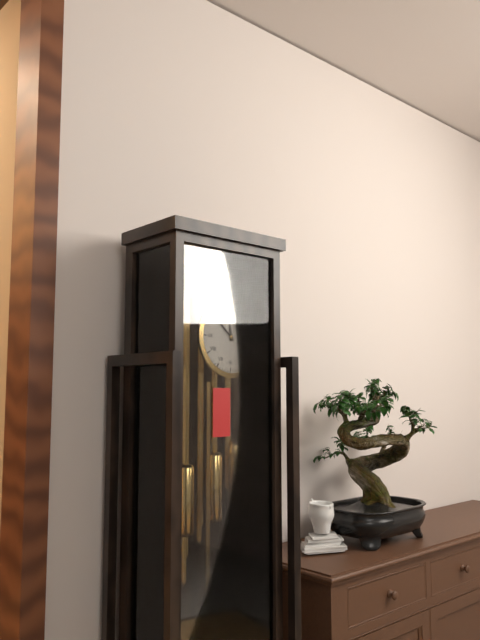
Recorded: h=11 m=52
